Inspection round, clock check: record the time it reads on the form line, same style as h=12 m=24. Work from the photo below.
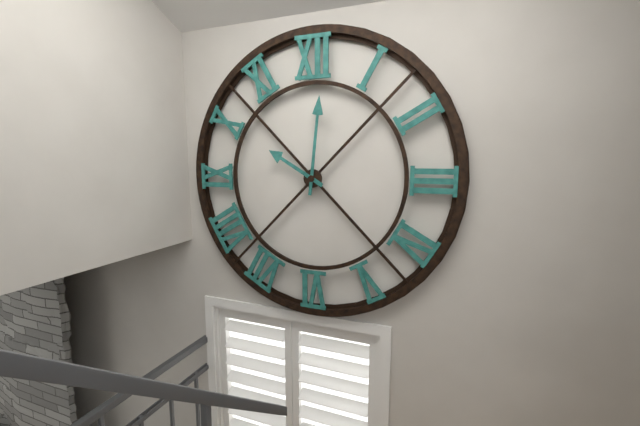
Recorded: h=10 m=1
